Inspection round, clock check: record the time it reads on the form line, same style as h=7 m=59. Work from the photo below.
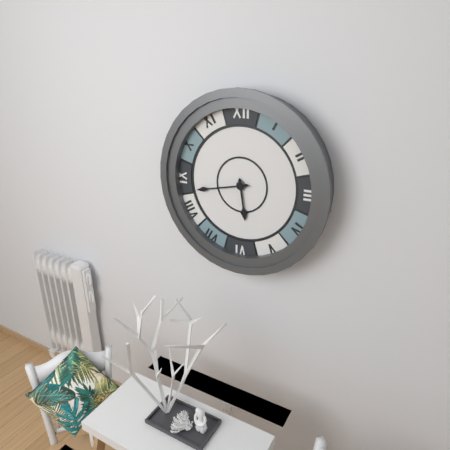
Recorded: h=5 m=43
